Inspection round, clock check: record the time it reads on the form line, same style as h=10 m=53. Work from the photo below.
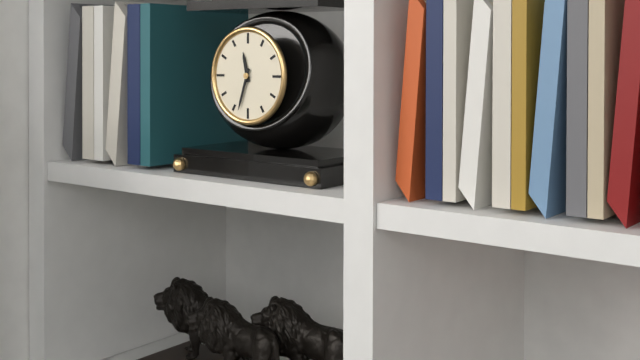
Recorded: h=11 m=33
